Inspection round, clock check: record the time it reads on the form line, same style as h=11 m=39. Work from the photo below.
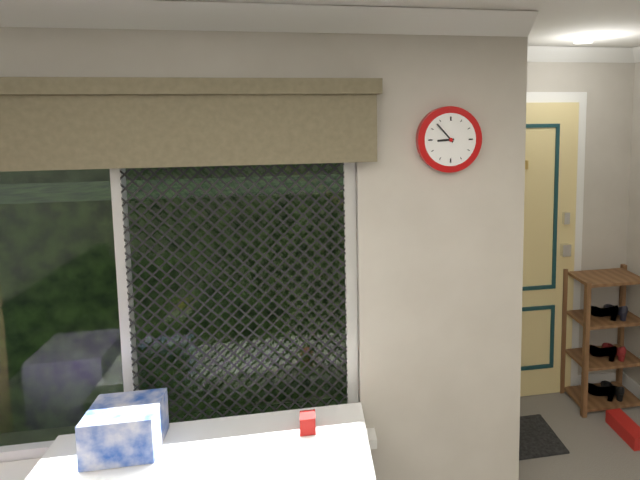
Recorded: h=8 m=53
